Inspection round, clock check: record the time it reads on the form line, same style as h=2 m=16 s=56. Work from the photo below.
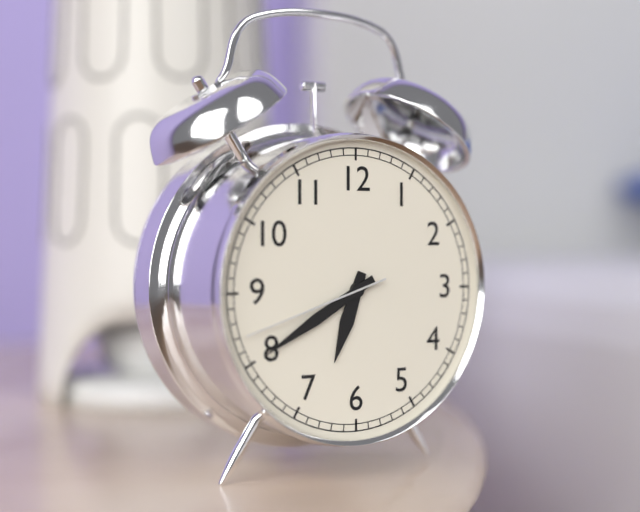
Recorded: h=6 m=40 s=42
